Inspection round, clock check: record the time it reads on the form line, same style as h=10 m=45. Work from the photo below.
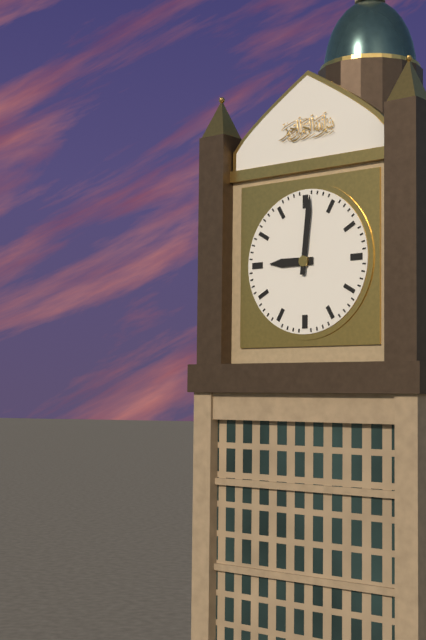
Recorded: h=9 m=1
